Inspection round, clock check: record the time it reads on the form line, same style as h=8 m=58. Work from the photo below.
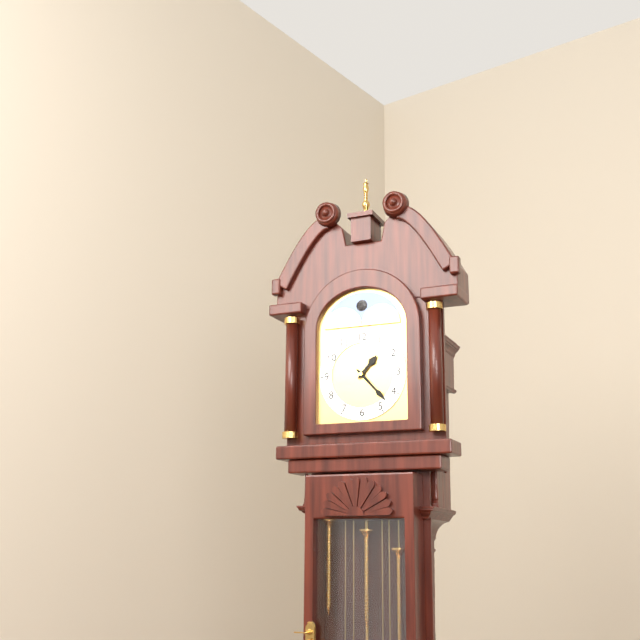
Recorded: h=1 m=23
